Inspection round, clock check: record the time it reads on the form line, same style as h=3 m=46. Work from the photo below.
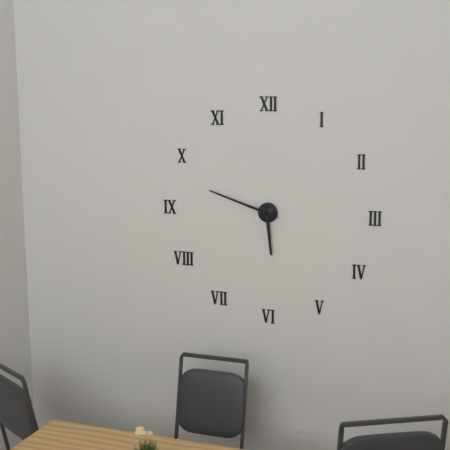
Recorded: h=5 m=48
